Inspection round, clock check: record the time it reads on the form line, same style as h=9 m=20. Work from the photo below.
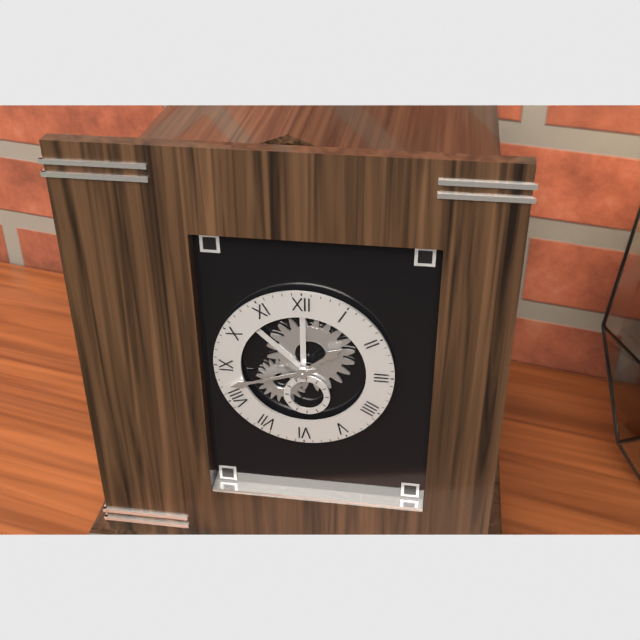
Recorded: h=1 m=42
